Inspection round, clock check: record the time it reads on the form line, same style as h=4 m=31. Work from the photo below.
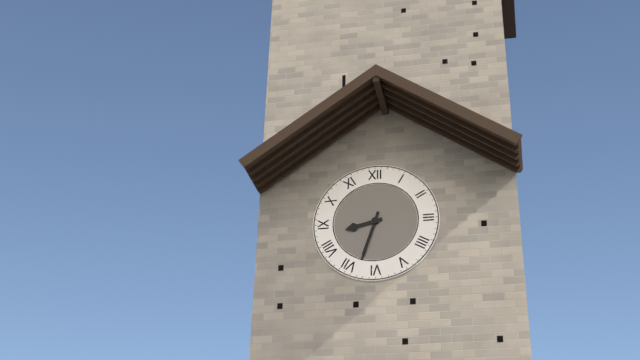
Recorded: h=8 m=33
